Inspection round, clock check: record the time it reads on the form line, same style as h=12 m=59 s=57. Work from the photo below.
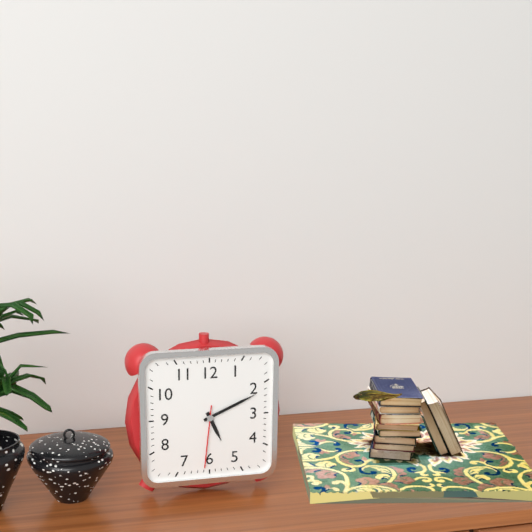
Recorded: h=5 m=11 s=31
